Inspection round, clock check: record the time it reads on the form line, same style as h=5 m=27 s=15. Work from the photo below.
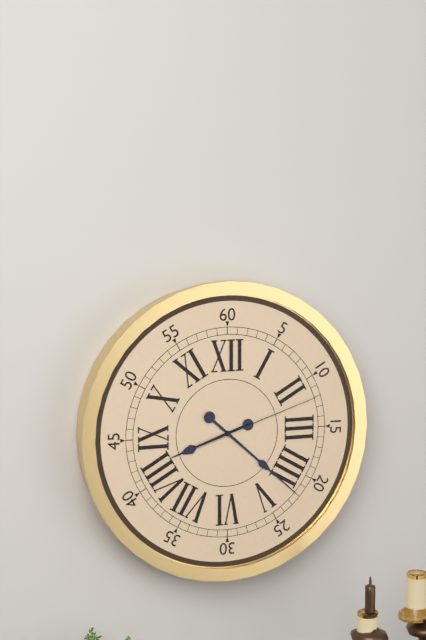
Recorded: h=8 m=22 s=12
